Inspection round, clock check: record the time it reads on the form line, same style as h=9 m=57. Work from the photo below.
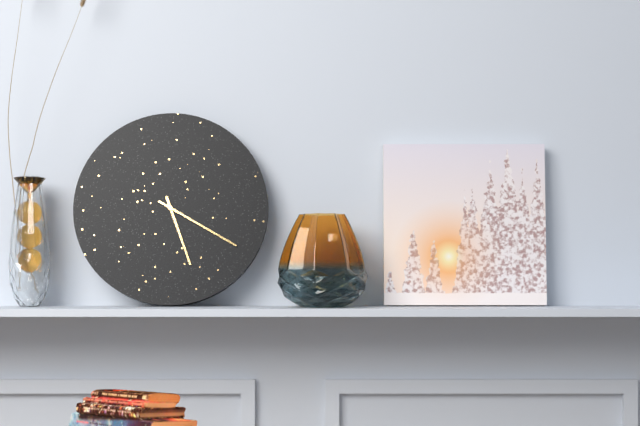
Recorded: h=5 m=20
